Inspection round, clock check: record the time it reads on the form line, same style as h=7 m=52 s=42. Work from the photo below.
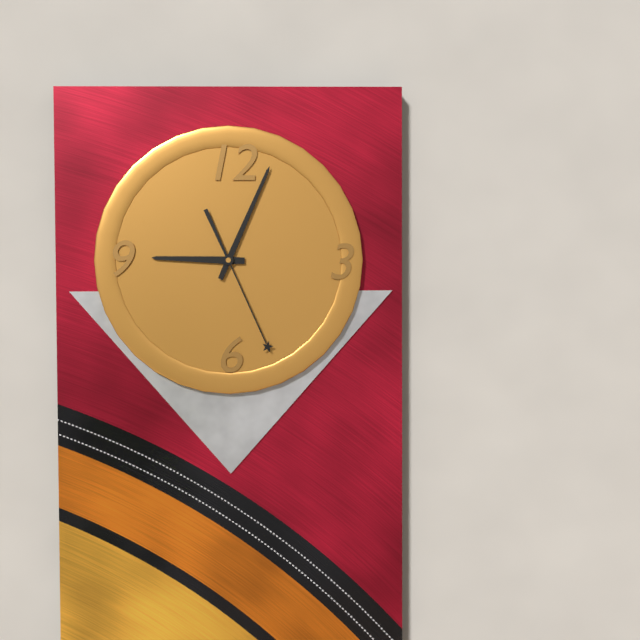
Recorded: h=9 m=4 s=26
